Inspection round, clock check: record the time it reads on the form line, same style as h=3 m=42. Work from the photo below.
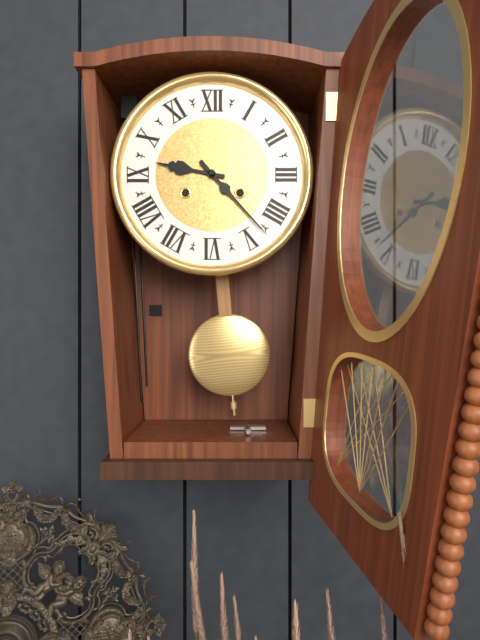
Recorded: h=9 m=23
